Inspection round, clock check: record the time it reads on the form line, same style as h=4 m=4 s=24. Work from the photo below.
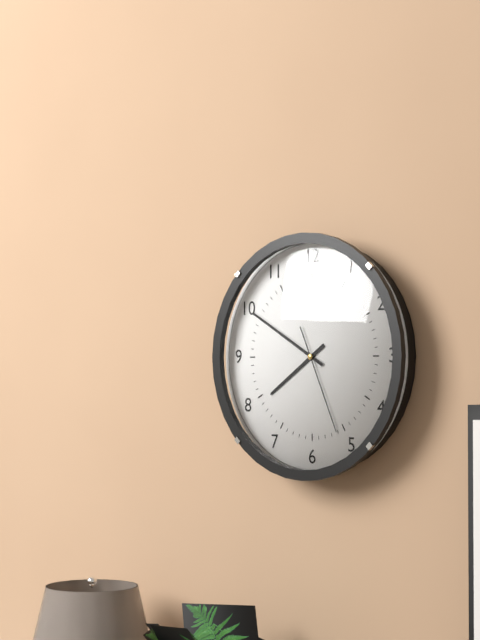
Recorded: h=7 m=50 s=26
